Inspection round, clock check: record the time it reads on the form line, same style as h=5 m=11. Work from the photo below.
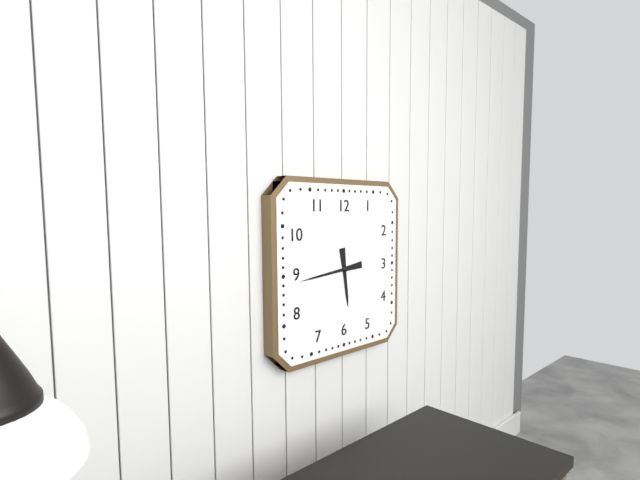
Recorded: h=5 m=44
